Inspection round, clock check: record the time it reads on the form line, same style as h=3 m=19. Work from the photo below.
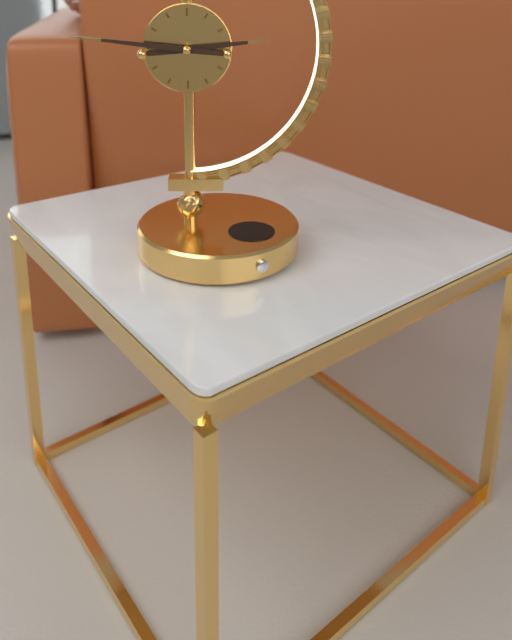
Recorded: h=2 m=46
